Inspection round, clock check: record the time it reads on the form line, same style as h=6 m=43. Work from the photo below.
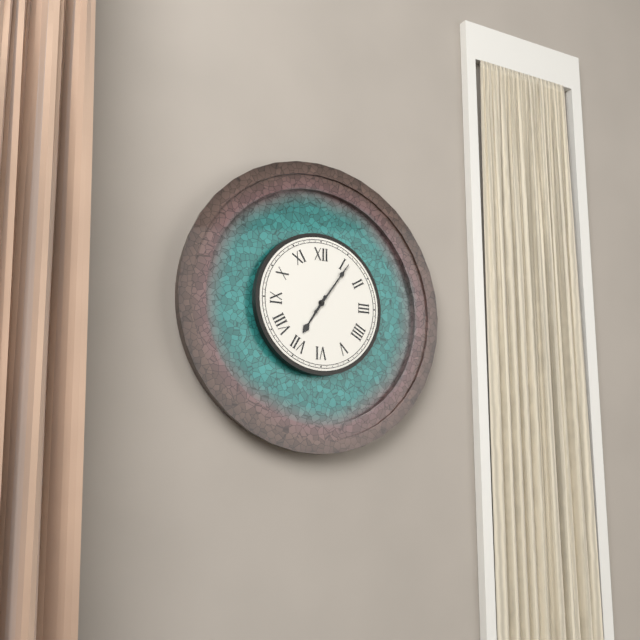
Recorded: h=7 m=6
